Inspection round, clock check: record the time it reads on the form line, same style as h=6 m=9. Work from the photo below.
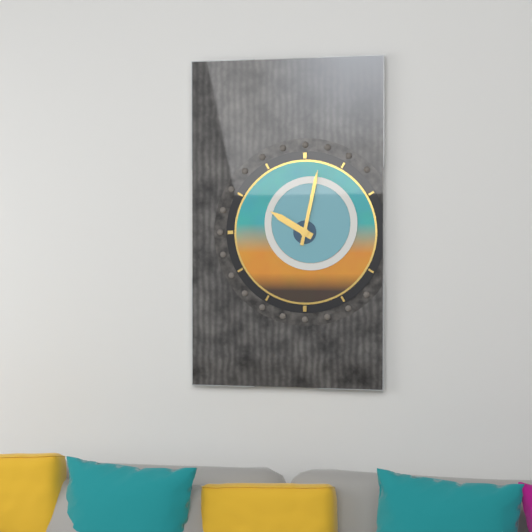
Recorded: h=10 m=2
